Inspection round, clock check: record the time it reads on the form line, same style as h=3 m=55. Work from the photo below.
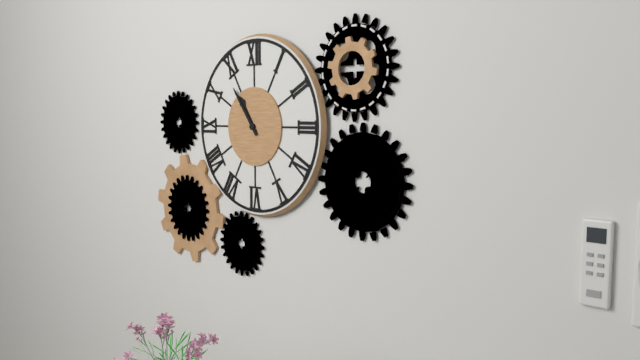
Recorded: h=10 m=54
